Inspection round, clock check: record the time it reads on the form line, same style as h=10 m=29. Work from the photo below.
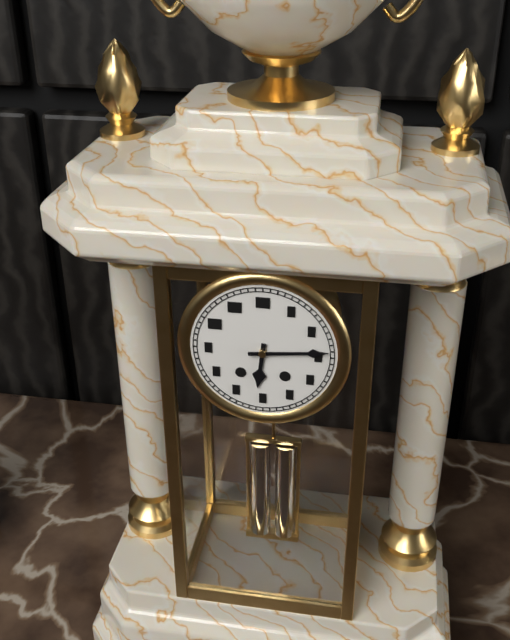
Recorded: h=6 m=14
